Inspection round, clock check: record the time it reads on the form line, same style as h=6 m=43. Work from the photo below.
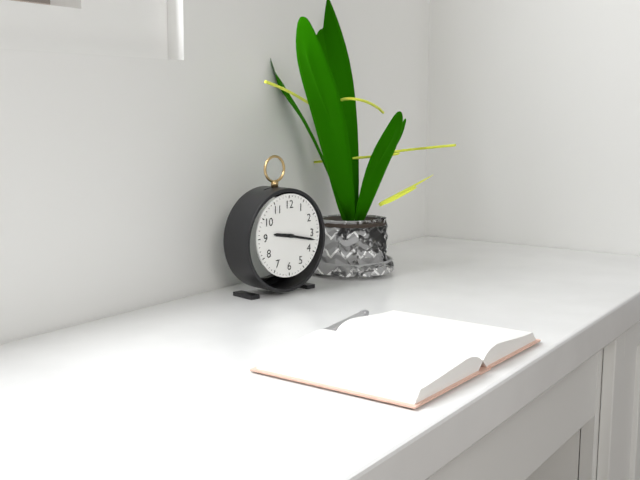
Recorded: h=9 m=17
